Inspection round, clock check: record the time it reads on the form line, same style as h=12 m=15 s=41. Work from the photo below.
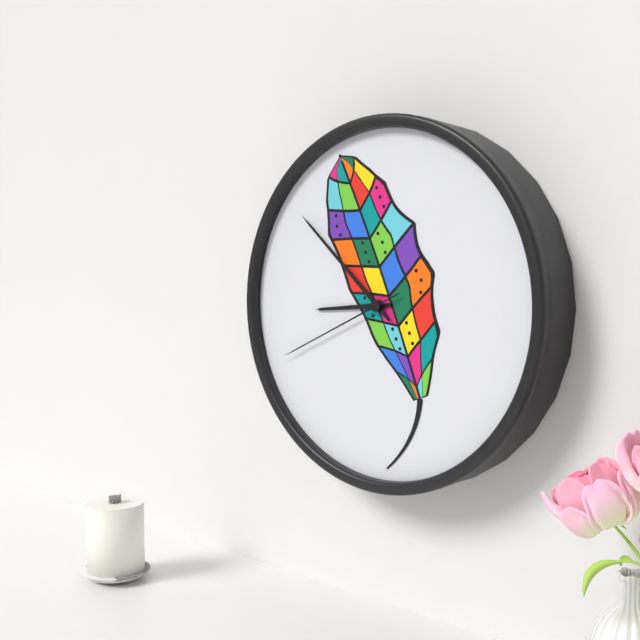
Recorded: h=8 m=52 s=41
